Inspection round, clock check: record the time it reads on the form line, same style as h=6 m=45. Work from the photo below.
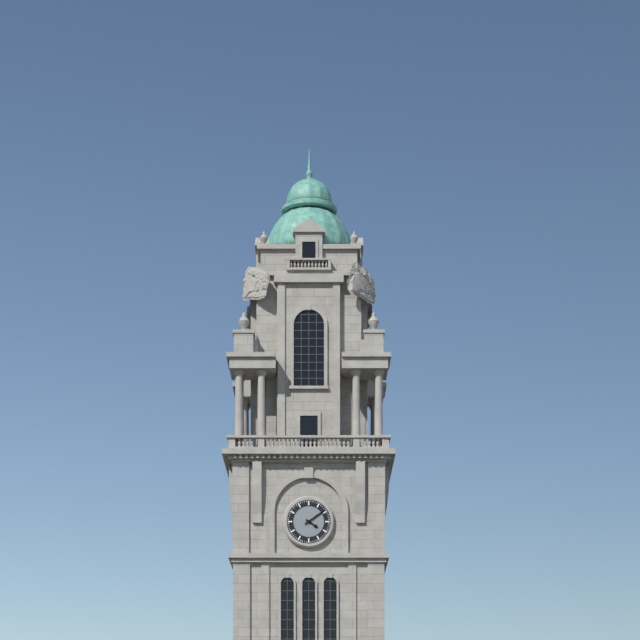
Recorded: h=4 m=9
